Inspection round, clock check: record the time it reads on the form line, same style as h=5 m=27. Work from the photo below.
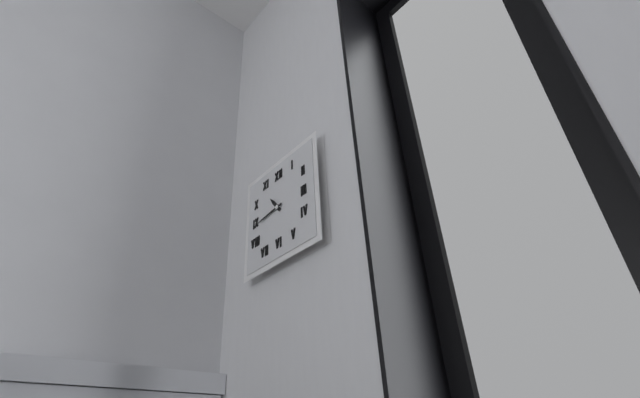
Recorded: h=10 m=44
